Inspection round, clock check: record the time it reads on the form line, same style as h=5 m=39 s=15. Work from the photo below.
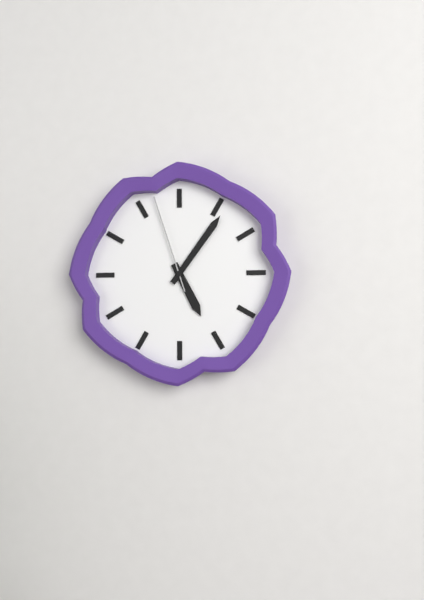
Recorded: h=5 m=6 s=57
